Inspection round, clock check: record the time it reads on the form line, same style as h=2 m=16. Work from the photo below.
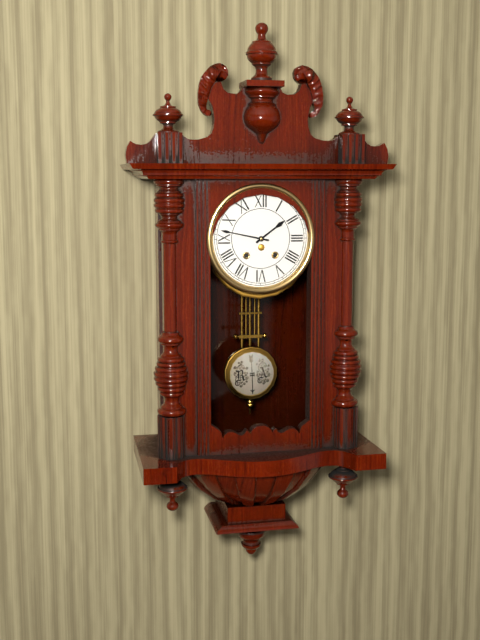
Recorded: h=1 m=47
